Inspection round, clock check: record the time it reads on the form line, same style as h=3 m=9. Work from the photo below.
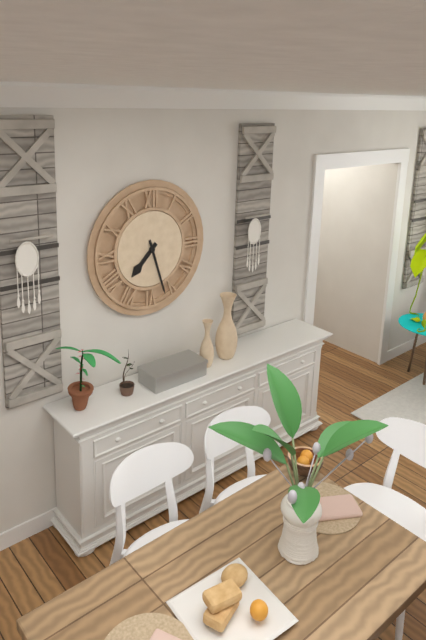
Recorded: h=7 m=27
